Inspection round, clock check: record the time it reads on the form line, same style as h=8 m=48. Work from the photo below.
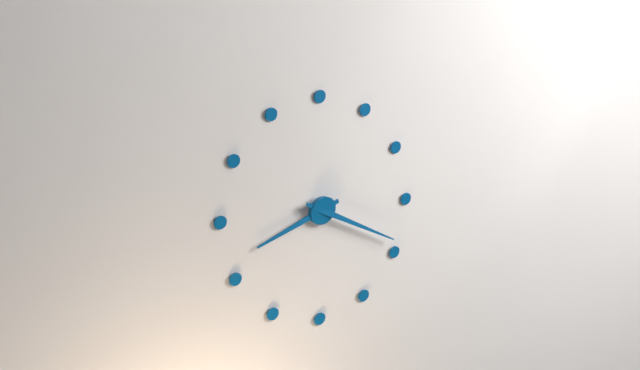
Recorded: h=8 m=19
